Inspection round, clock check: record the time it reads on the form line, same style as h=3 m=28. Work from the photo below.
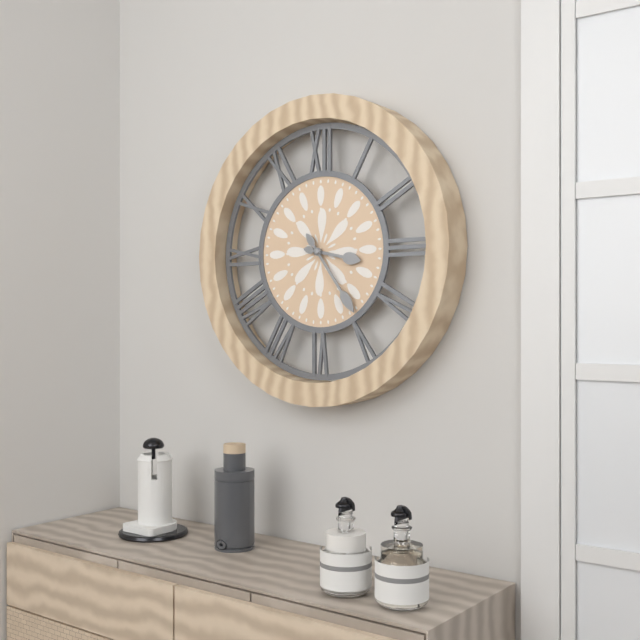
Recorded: h=3 m=24
